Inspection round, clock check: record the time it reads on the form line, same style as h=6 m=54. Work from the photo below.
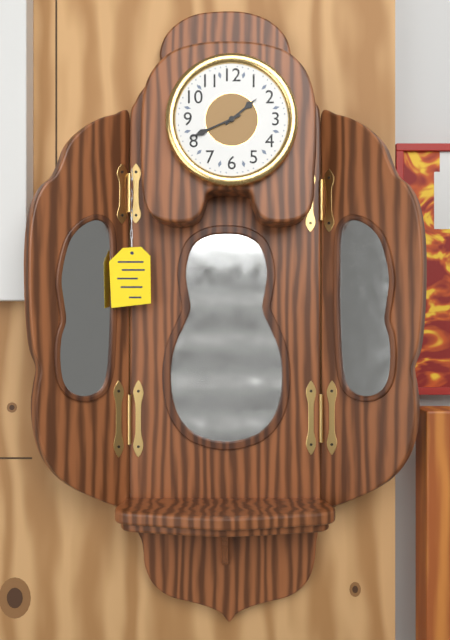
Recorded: h=1 m=41
